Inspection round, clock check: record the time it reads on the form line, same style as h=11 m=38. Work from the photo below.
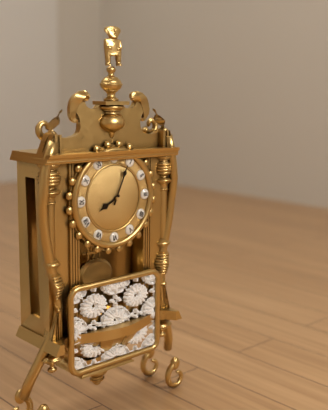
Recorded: h=8 m=4
